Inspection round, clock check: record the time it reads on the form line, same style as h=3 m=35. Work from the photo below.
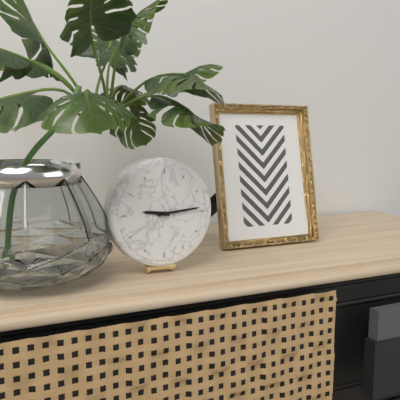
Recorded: h=9 m=14
